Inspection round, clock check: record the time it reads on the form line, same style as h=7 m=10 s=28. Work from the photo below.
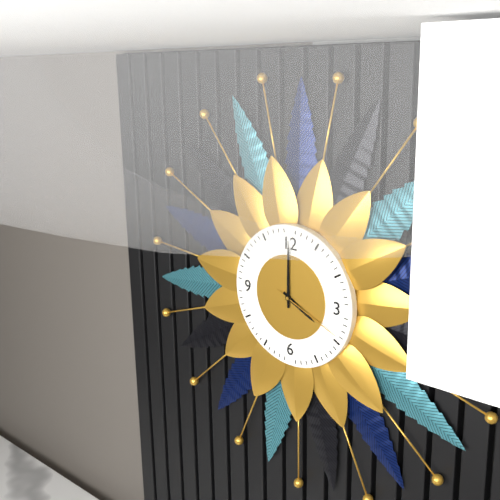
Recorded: h=4 m=0 s=19
